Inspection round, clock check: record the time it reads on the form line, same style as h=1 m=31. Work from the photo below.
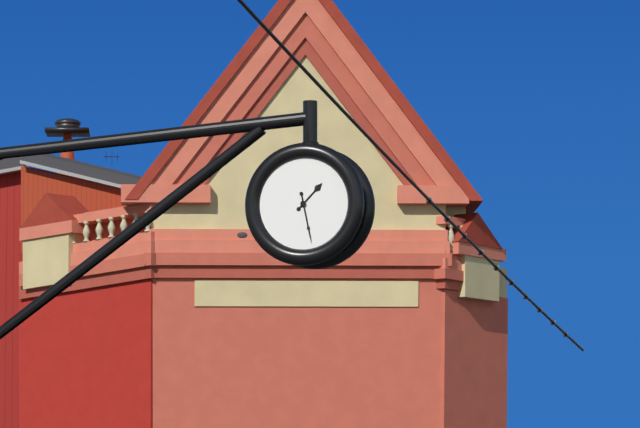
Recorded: h=1 m=28
